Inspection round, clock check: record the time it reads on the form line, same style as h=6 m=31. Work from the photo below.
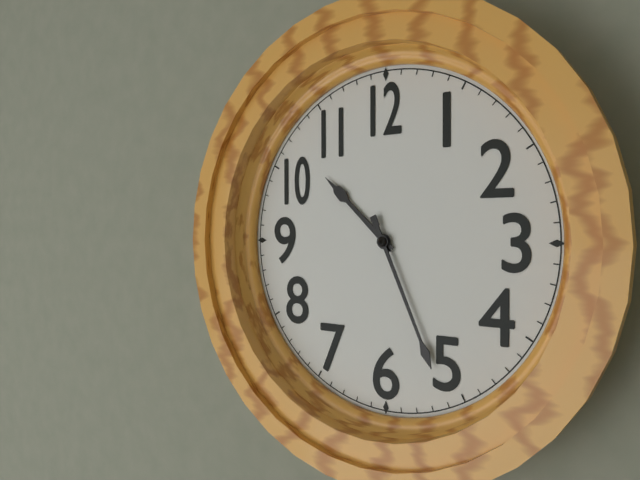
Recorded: h=10 m=26
